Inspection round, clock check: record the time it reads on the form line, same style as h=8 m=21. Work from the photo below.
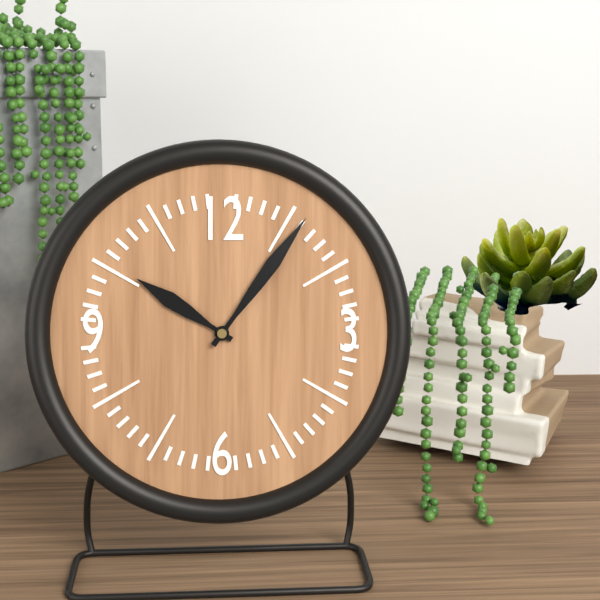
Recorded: h=10 m=6
